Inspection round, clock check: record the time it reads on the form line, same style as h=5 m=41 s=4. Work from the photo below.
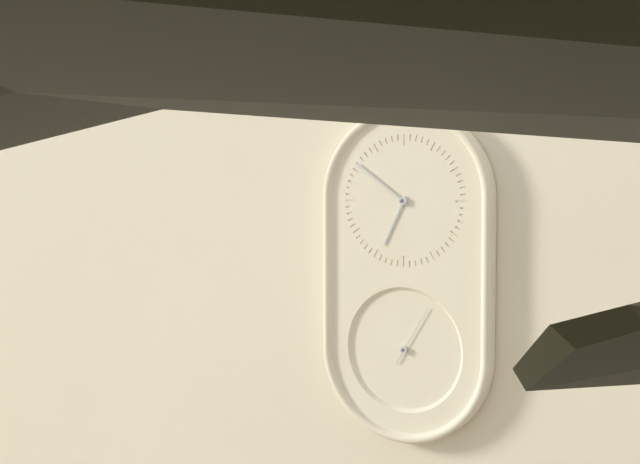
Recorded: h=6 m=51 s=5
